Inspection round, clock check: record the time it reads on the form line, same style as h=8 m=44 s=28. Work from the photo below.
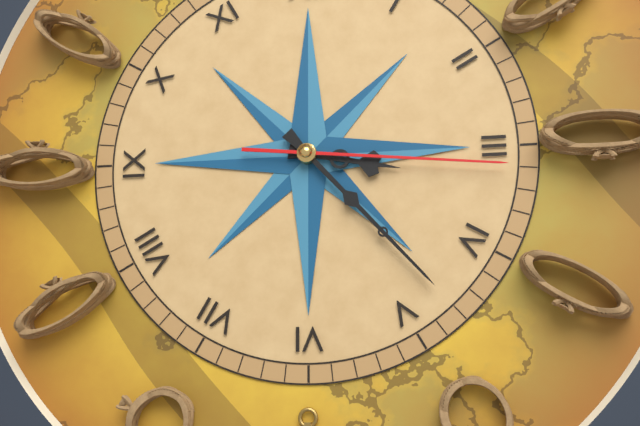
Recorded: h=3 m=23 s=16
